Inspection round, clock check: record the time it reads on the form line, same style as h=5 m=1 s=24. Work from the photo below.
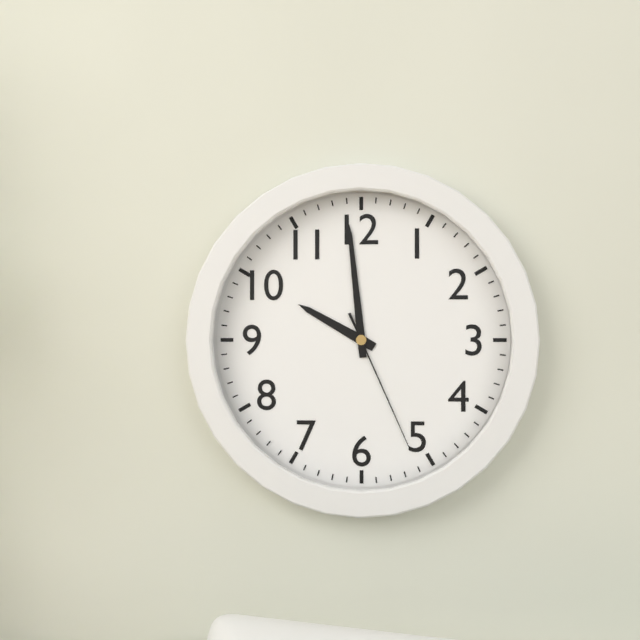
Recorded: h=9 m=59 s=26
